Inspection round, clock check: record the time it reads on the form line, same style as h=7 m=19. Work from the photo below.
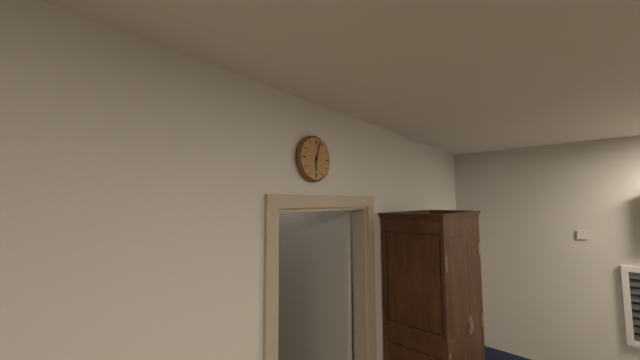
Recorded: h=6 m=3
